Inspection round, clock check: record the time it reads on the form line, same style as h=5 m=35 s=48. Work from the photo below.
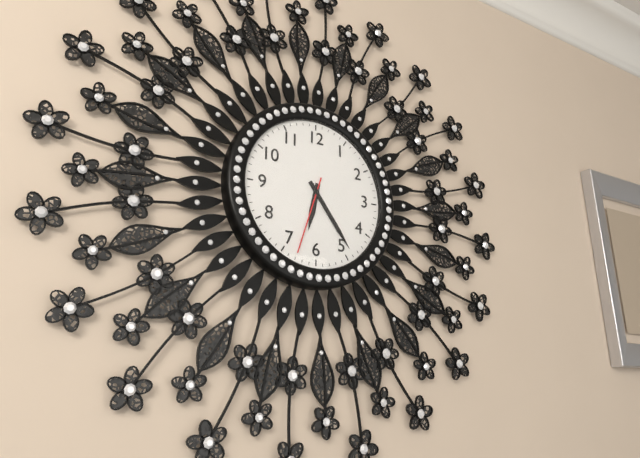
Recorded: h=6 m=24 s=33
